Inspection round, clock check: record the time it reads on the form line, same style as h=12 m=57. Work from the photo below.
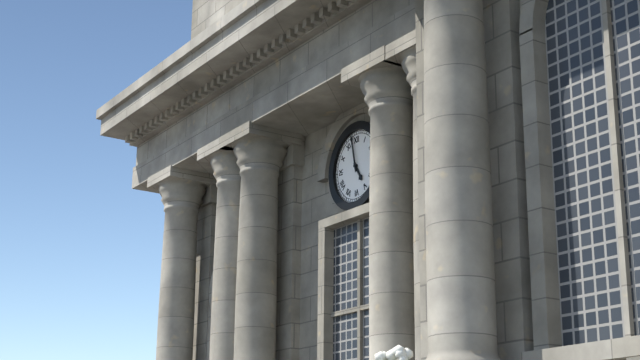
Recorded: h=4 m=58
